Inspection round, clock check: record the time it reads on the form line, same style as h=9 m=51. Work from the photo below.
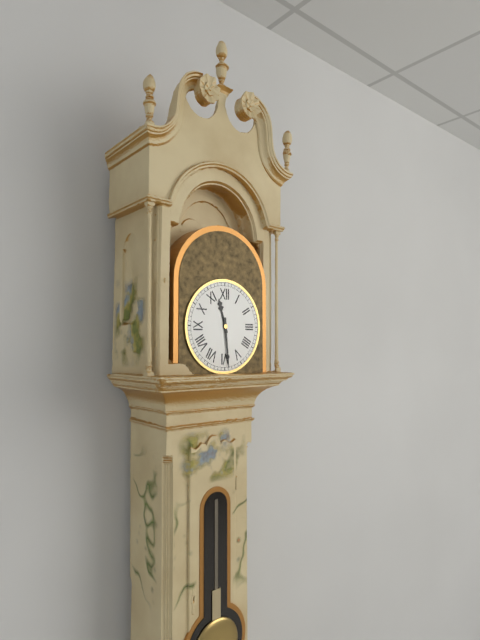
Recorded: h=11 m=29
